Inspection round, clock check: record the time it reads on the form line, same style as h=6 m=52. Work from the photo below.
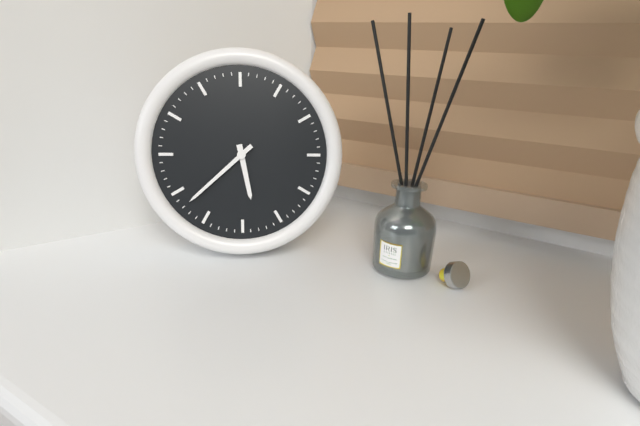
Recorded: h=5 m=38
